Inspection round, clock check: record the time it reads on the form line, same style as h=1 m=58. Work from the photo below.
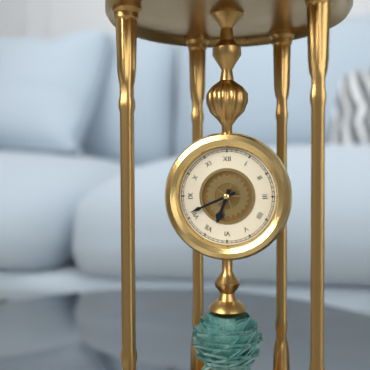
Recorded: h=6 m=41
